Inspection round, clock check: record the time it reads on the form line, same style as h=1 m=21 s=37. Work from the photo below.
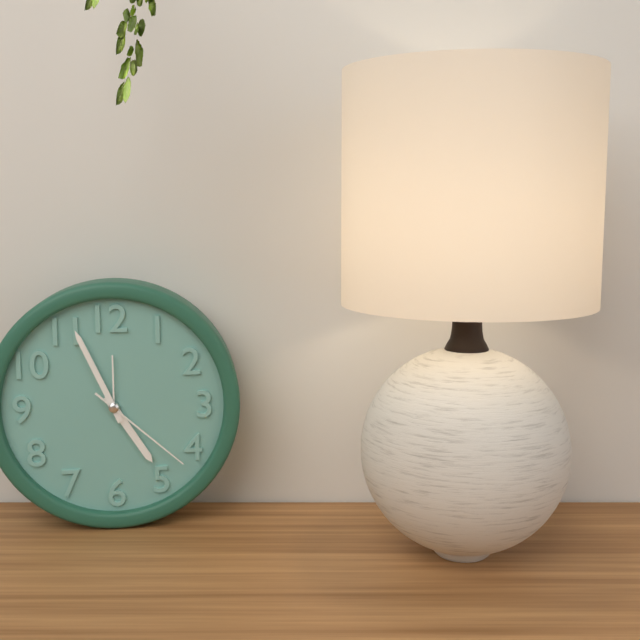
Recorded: h=4 m=56 s=22
